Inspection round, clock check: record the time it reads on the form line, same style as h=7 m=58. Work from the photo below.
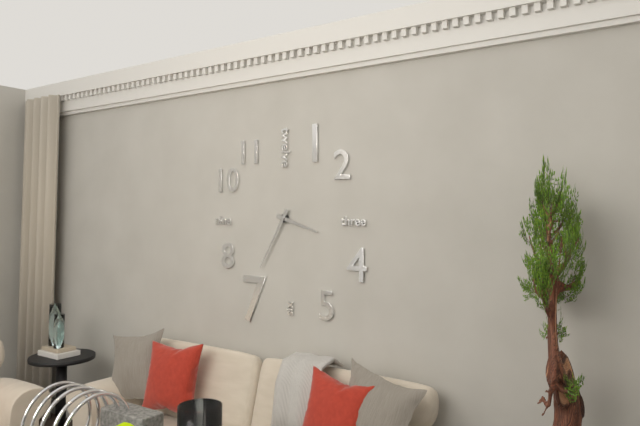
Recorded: h=3 m=35
